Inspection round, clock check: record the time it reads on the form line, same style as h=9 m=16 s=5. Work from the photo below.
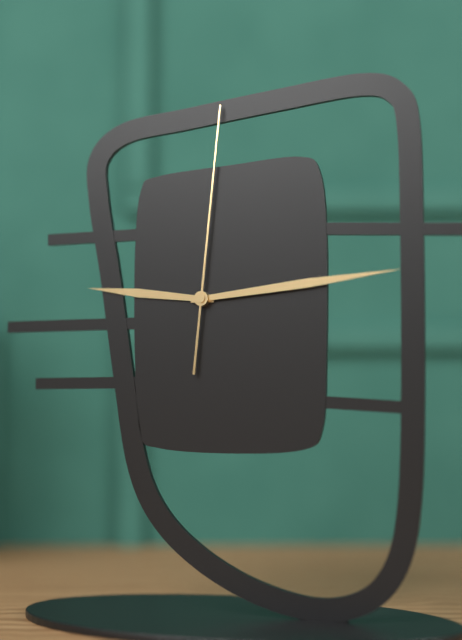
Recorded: h=9 m=14 s=1
